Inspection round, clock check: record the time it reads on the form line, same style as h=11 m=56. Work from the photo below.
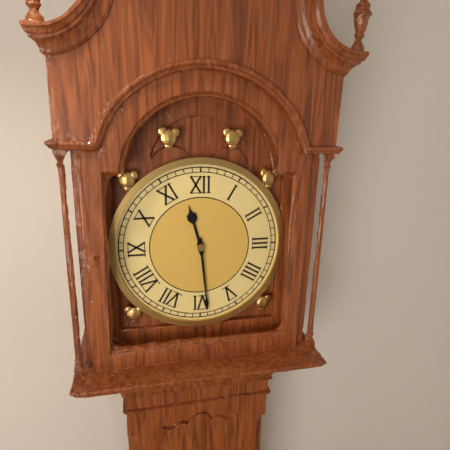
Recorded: h=11 m=29
